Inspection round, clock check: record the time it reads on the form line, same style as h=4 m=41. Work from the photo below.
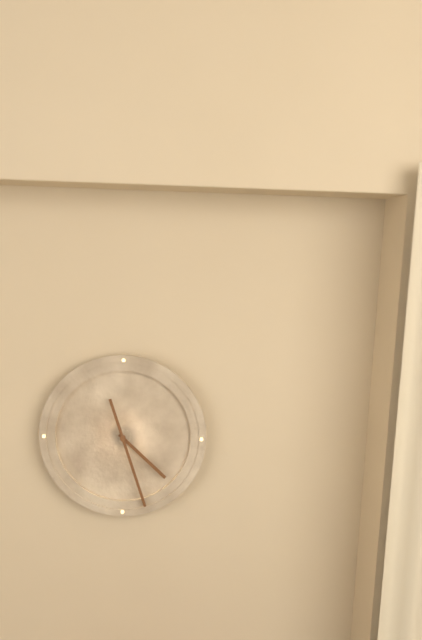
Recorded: h=4 m=27
